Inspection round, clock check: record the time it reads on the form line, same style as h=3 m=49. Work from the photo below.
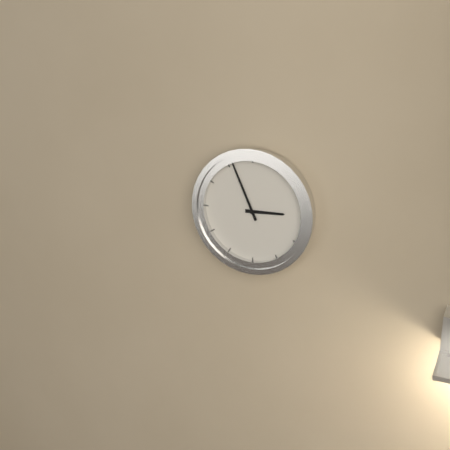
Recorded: h=2 m=56
